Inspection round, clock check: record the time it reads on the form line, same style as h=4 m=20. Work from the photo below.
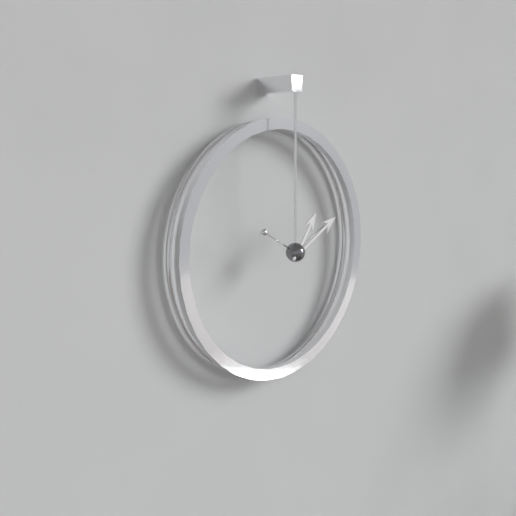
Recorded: h=1 m=10
